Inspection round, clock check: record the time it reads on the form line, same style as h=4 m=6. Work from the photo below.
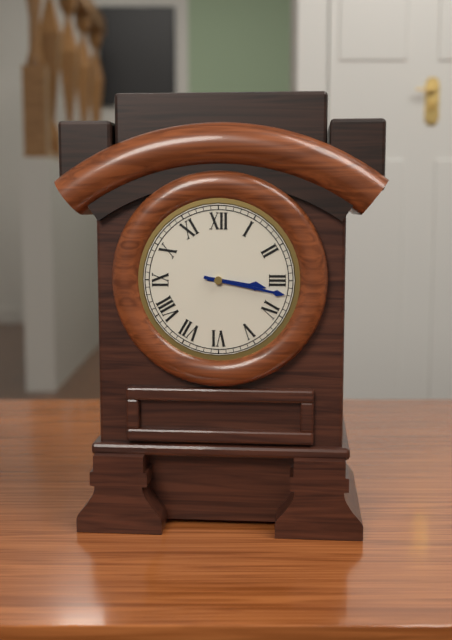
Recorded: h=3 m=17
